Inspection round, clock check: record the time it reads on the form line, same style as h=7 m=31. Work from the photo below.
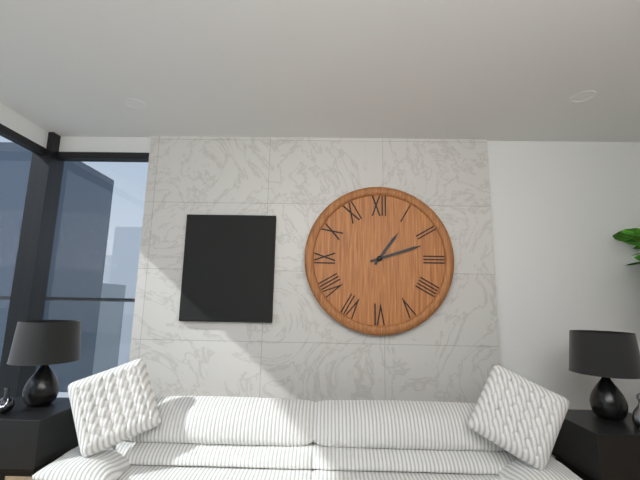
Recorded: h=1 m=12
